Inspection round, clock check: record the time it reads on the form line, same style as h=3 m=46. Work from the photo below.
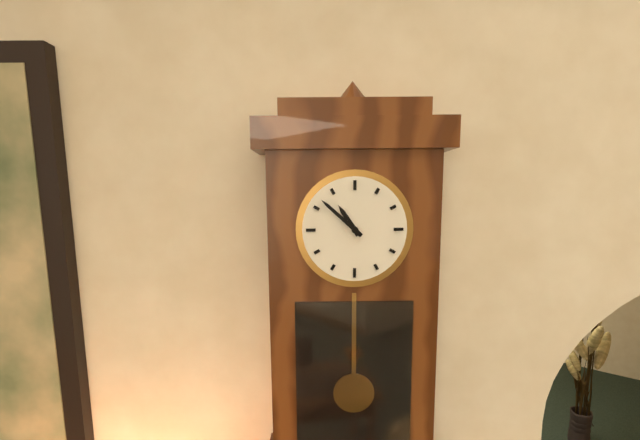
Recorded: h=10 m=52
